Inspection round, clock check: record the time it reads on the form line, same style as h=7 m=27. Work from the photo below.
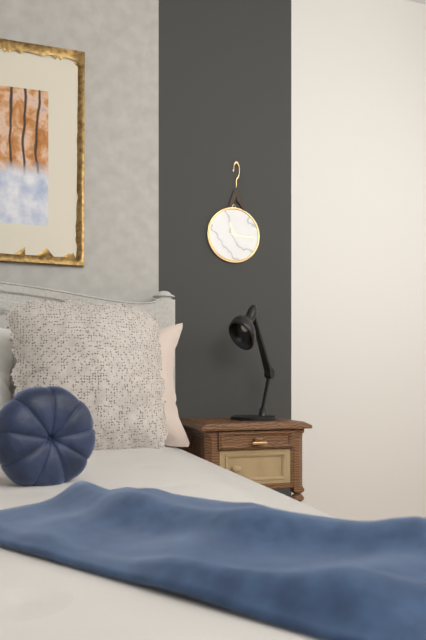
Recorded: h=11 m=16
